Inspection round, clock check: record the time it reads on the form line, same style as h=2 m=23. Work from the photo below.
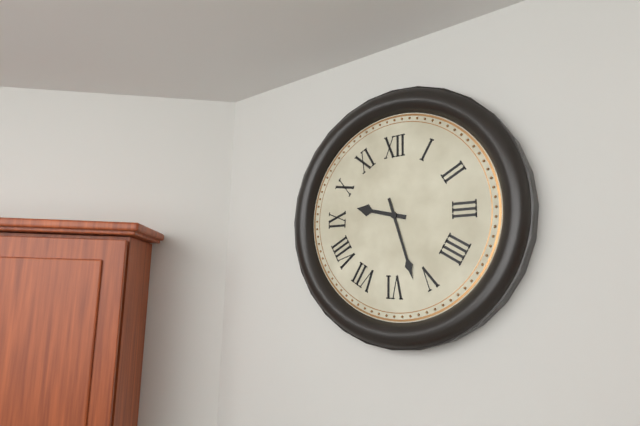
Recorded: h=9 m=27
